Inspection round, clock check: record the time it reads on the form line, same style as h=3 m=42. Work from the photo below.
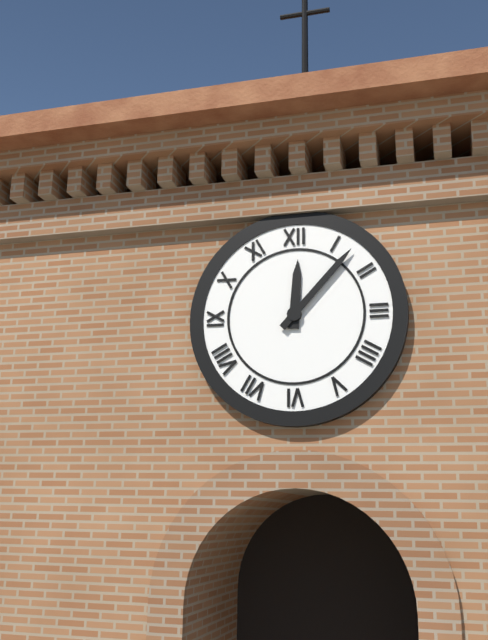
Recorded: h=12 m=7
